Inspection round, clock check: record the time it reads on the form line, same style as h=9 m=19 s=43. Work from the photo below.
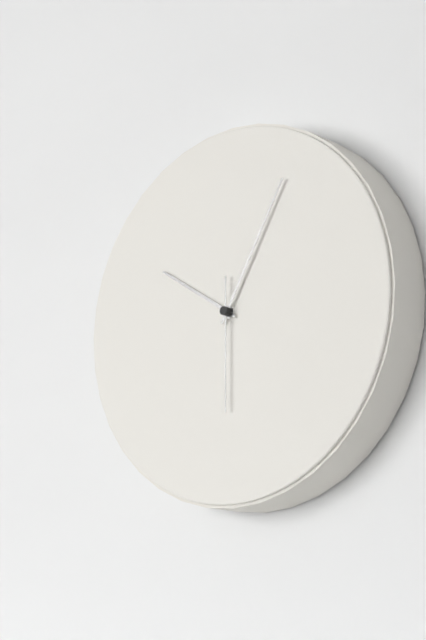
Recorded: h=10 m=5 s=30
